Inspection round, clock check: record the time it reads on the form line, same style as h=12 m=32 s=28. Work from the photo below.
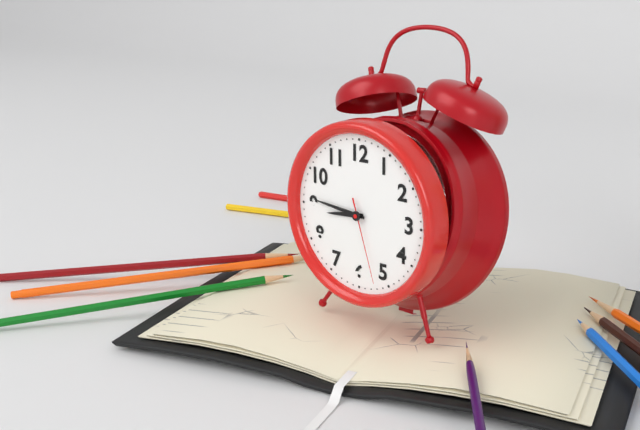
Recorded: h=8 m=46 s=27
